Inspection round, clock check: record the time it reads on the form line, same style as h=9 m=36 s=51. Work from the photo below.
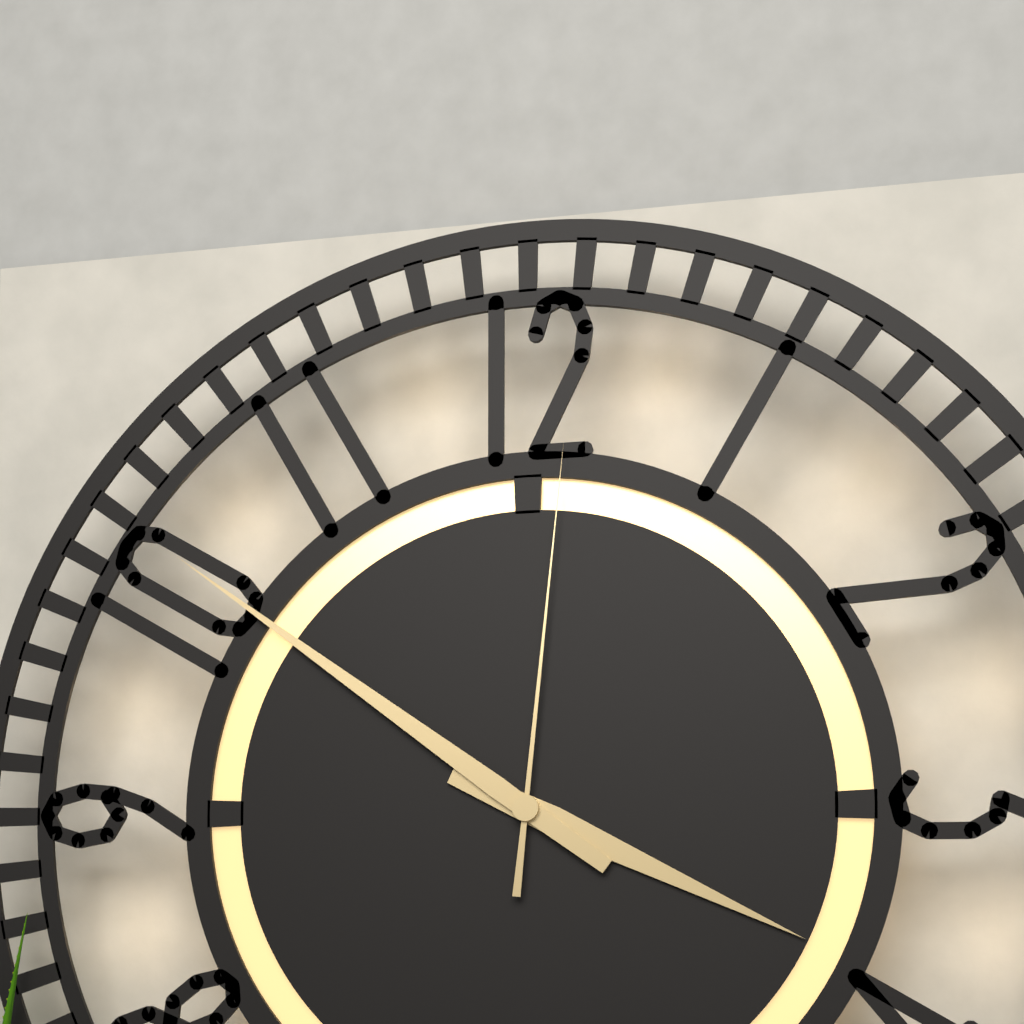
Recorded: h=3 m=51 s=1
